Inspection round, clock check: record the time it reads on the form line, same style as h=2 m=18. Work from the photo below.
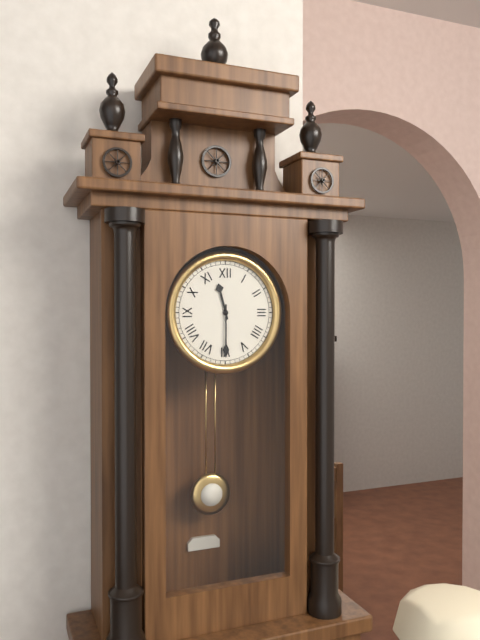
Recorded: h=11 m=30
